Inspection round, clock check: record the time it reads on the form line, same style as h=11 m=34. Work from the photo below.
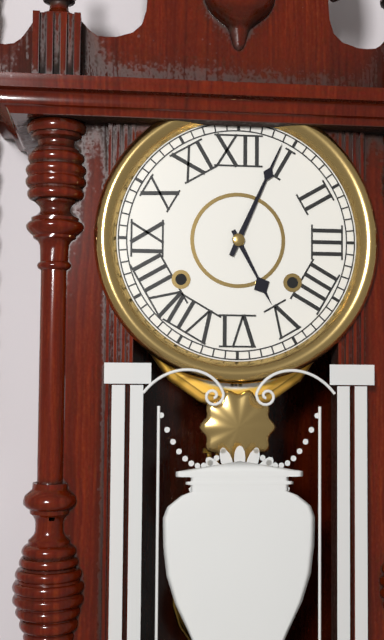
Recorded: h=5 m=4
